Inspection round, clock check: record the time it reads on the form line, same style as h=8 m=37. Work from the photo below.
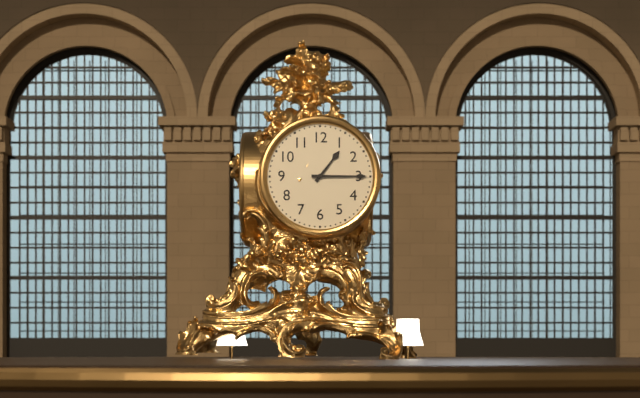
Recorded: h=1 m=15
